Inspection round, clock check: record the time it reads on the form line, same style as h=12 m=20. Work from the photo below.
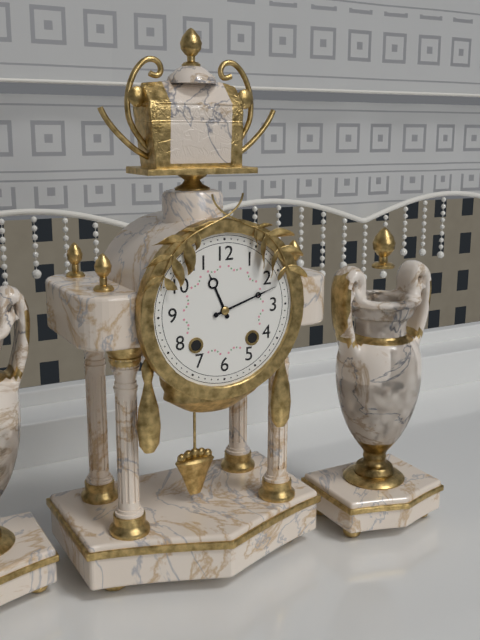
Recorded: h=11 m=12
